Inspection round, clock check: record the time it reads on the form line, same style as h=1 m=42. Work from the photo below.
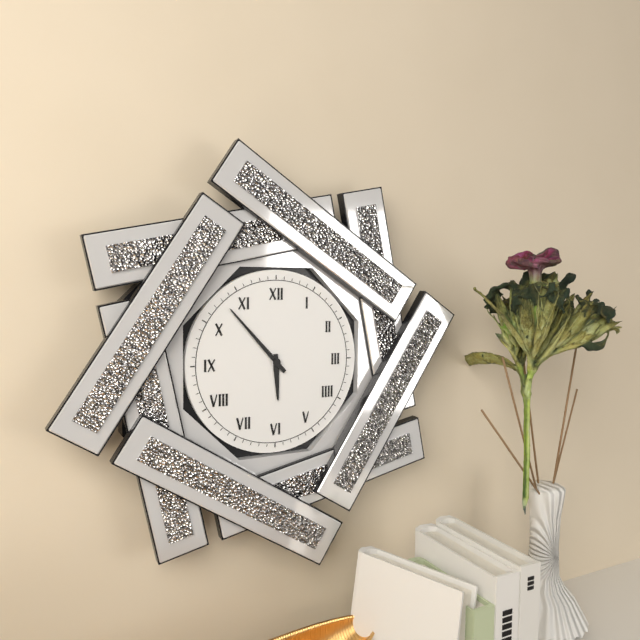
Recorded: h=5 m=53
